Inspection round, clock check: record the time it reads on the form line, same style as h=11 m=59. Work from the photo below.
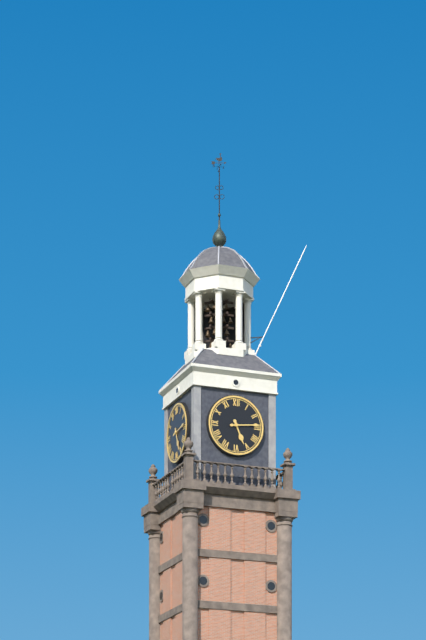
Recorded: h=5 m=14
